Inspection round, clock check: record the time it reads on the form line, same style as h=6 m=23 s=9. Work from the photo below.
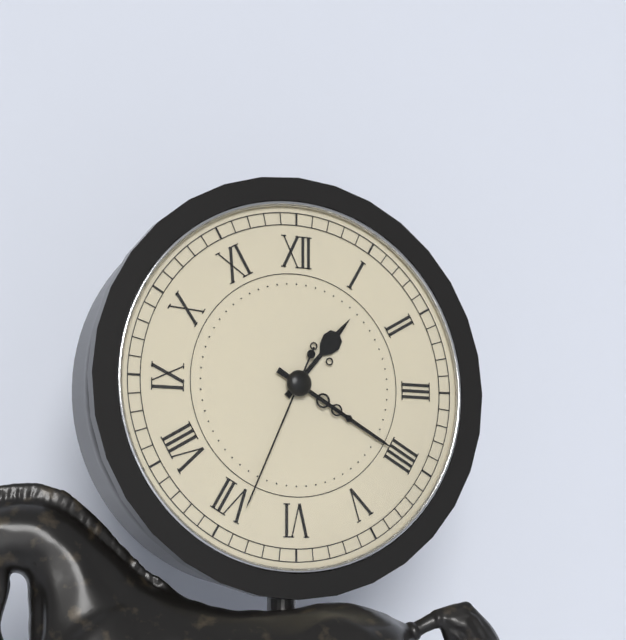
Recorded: h=1 m=20 s=34
